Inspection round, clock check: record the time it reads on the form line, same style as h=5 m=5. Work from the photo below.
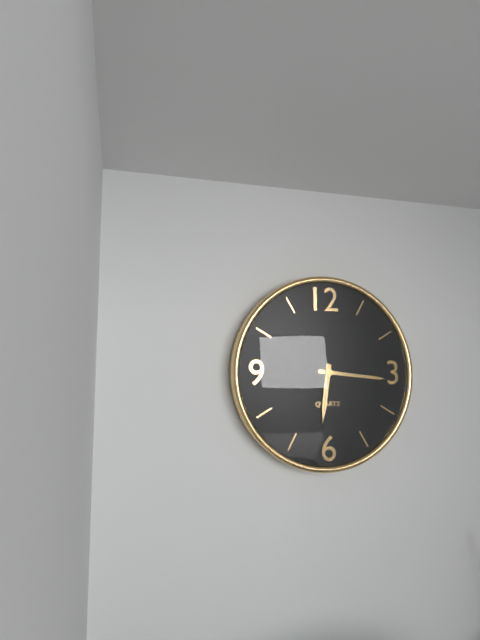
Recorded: h=6 m=16
